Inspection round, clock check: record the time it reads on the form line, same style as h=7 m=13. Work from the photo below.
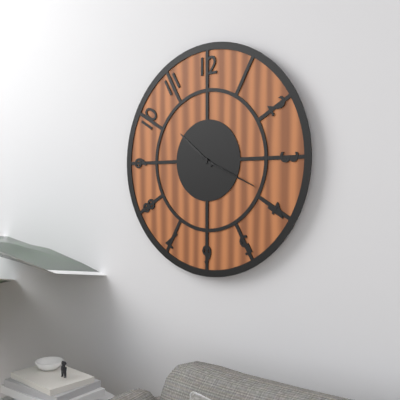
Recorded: h=10 m=19
